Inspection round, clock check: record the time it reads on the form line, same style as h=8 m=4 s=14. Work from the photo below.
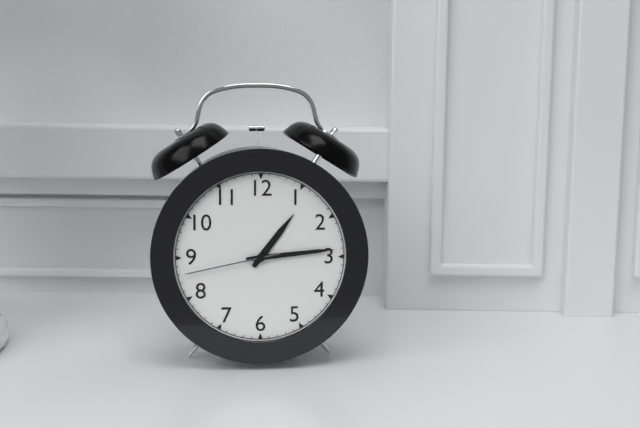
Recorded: h=1 m=14 s=43
